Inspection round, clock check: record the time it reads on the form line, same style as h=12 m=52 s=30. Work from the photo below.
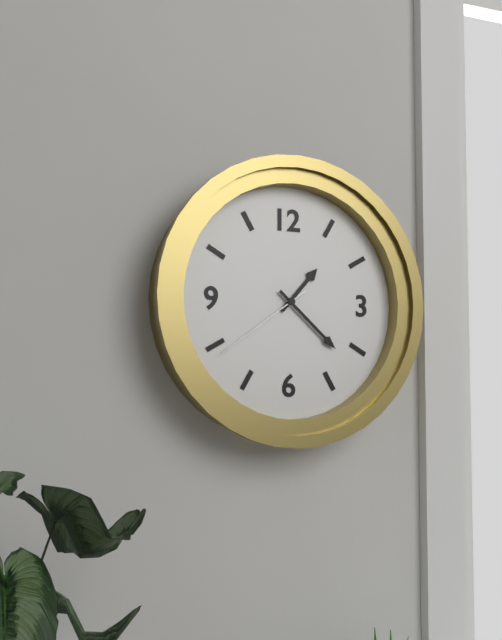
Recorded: h=1 m=22 s=39
